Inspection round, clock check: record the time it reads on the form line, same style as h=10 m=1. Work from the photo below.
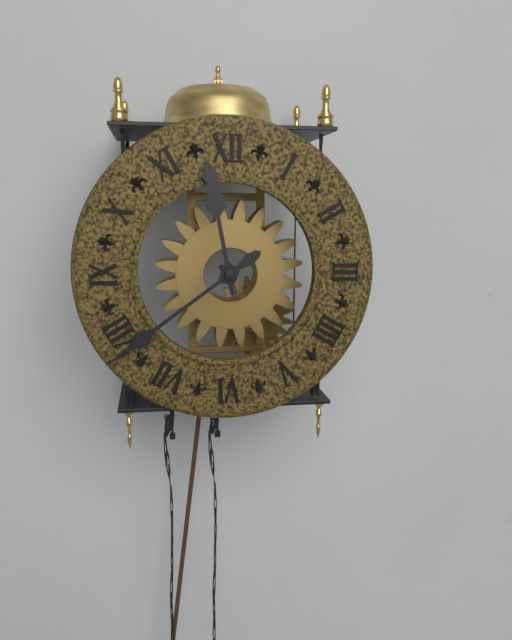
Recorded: h=11 m=39
